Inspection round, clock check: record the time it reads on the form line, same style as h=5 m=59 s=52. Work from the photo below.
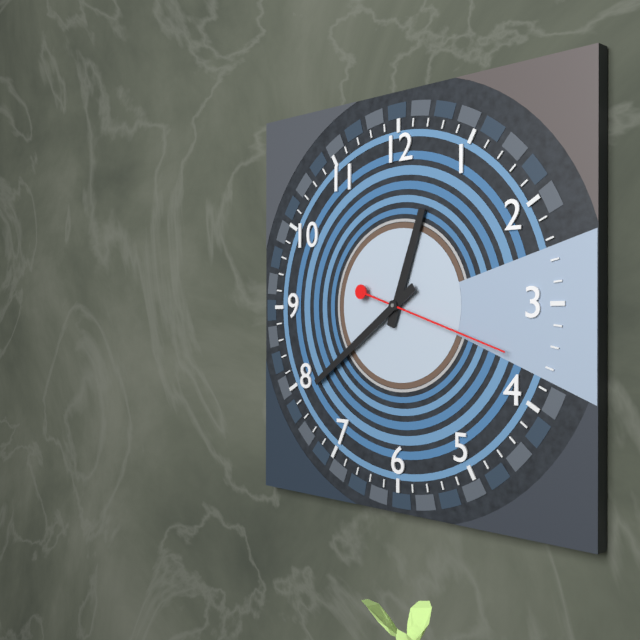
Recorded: h=12 m=39 s=18
